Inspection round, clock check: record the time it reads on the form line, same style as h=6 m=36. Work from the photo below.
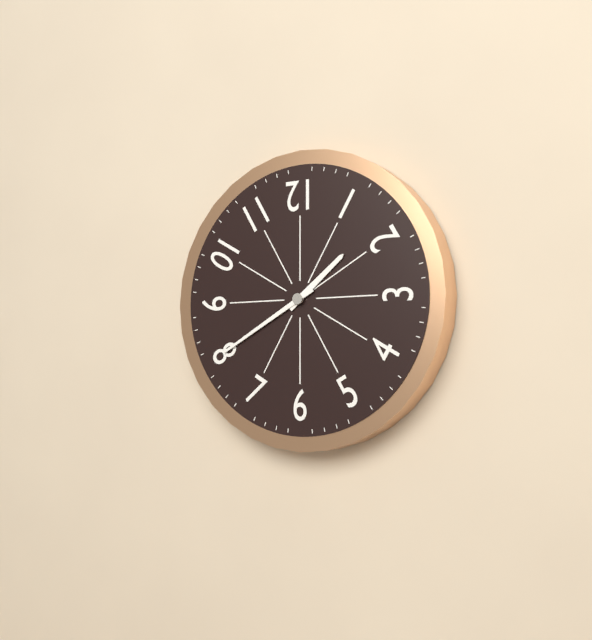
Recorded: h=1 m=40
